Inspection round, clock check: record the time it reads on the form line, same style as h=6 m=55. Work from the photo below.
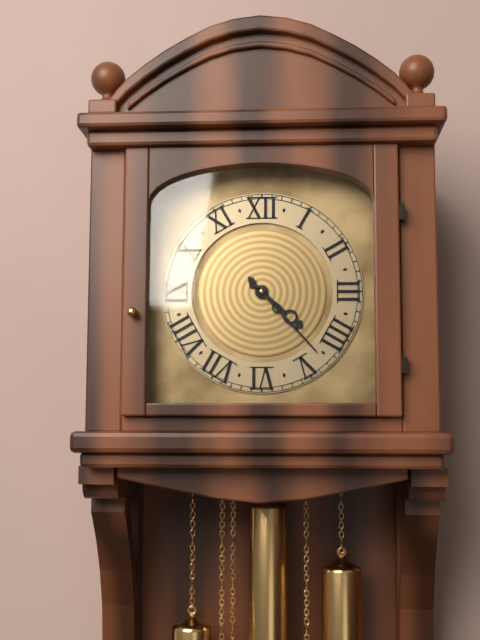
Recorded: h=4 m=23
